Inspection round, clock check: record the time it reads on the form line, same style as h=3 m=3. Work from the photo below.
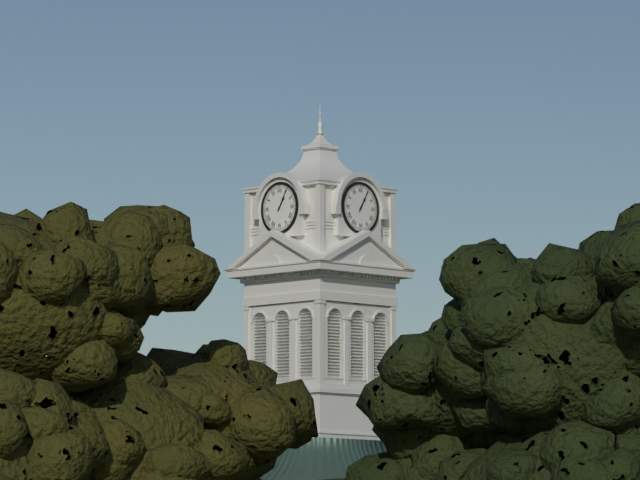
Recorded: h=1 m=5
